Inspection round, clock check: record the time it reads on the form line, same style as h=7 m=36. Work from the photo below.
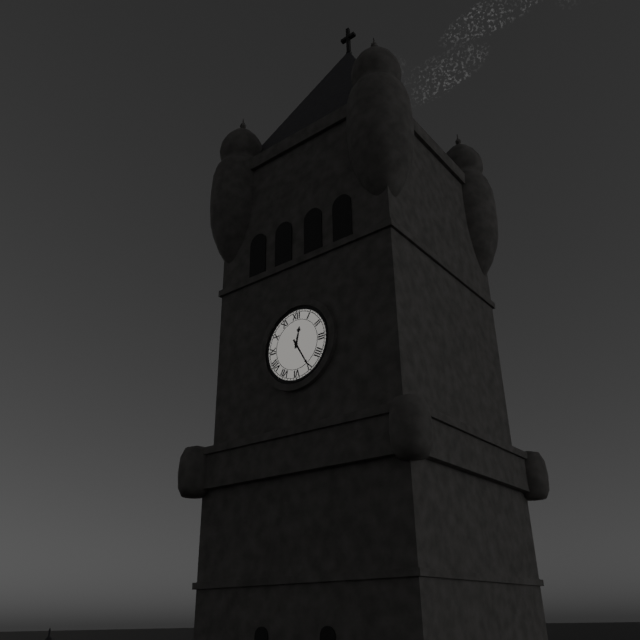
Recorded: h=12 m=25
